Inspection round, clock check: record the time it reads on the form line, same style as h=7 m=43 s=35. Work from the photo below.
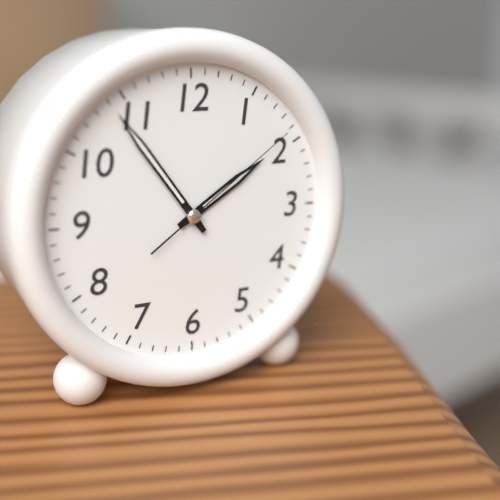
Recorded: h=1 m=54 s=9
